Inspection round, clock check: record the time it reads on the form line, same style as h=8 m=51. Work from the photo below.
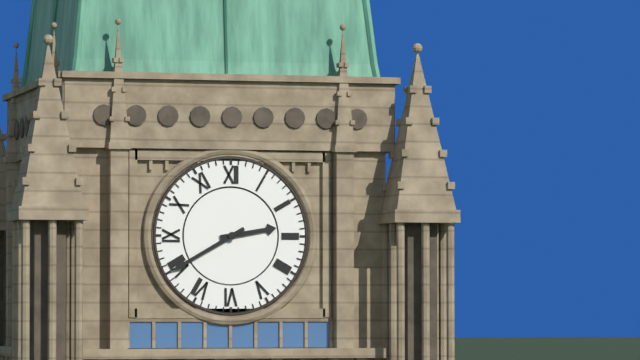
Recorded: h=2 m=40
